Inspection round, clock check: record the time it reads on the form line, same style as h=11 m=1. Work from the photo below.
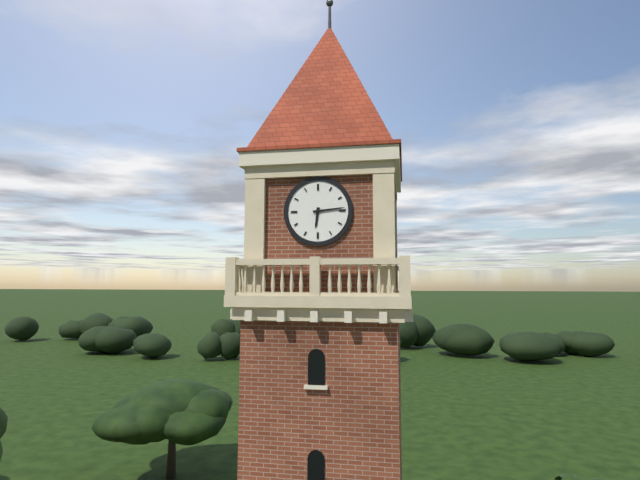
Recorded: h=6 m=14
